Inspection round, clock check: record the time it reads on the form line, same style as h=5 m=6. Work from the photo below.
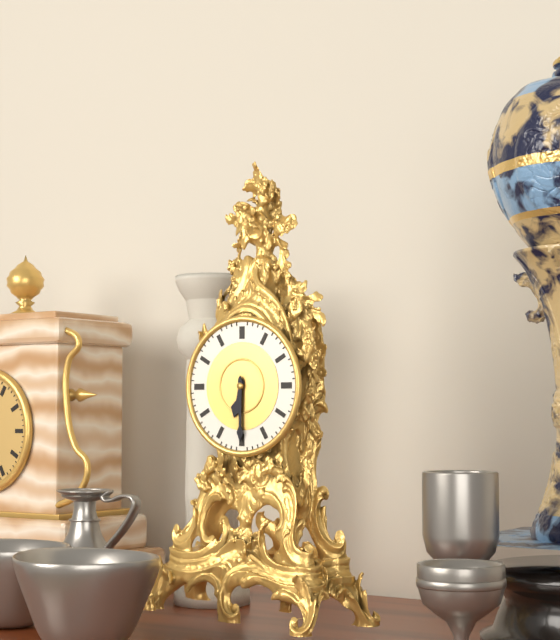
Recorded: h=6 m=30
